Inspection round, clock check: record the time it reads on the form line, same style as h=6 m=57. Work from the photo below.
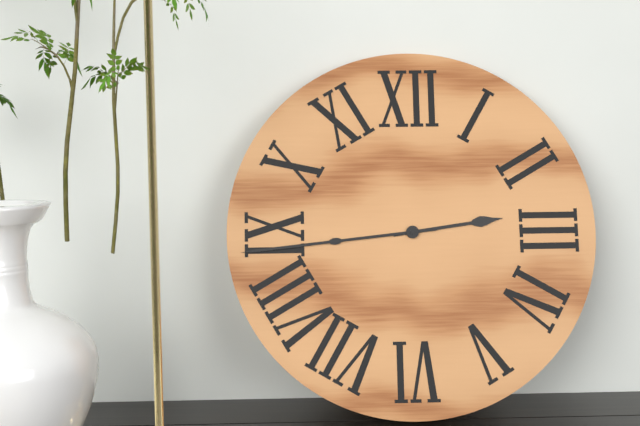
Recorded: h=2 m=44
